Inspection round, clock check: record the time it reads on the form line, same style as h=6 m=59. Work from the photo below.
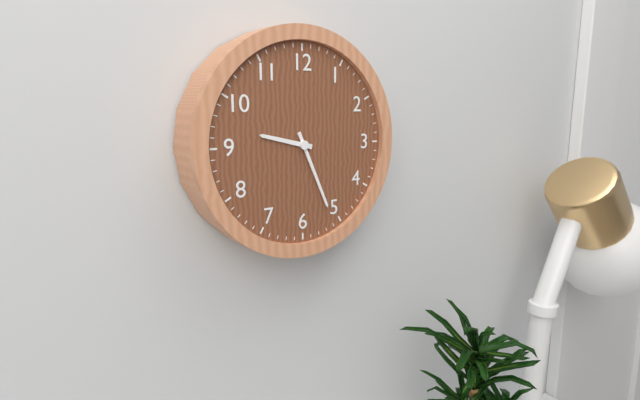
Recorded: h=9 m=26
